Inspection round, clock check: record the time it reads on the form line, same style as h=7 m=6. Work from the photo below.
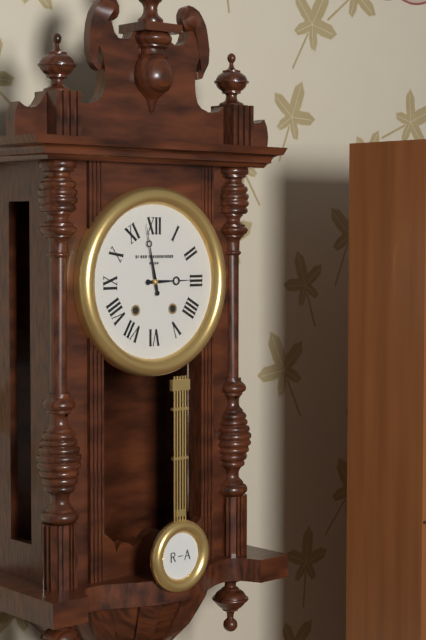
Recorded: h=2 m=58
